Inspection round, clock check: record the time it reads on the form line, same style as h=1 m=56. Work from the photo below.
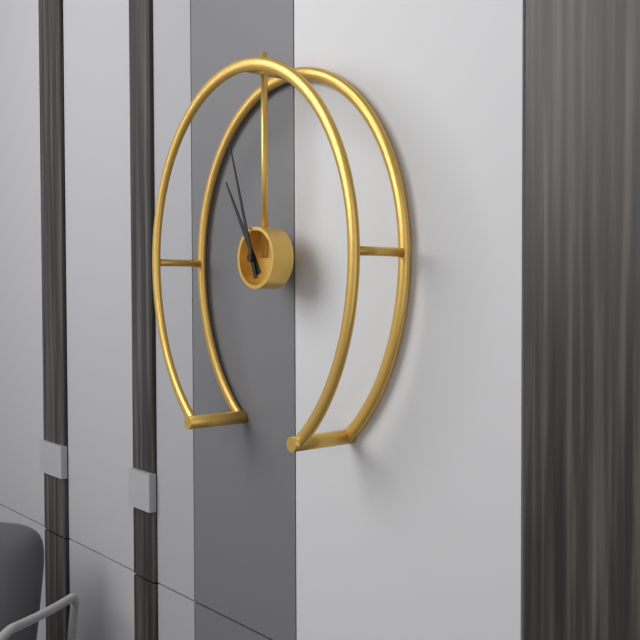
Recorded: h=10 m=57
